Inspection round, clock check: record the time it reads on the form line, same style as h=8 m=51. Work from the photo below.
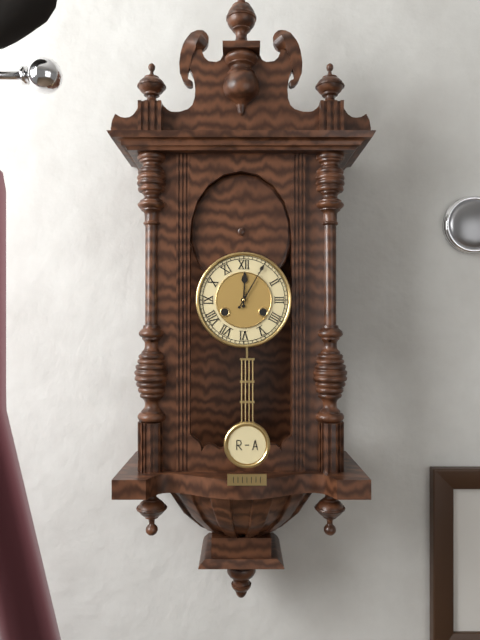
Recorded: h=12 m=5
